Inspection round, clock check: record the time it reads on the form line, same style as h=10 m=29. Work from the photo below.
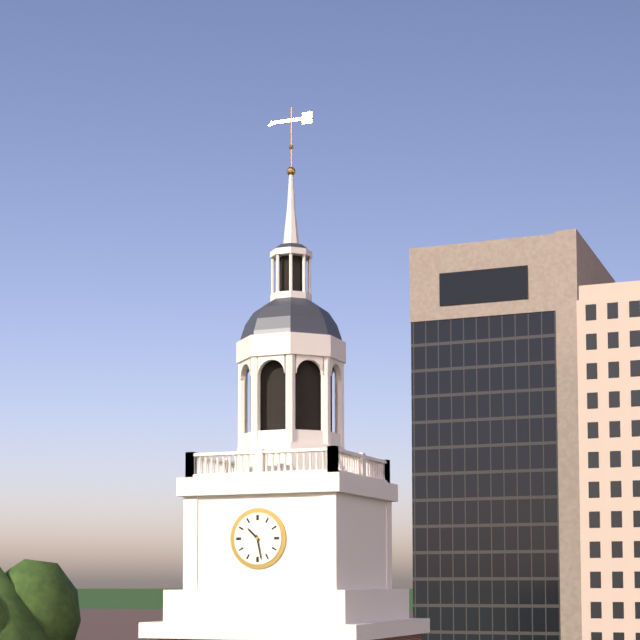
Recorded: h=10 m=28
